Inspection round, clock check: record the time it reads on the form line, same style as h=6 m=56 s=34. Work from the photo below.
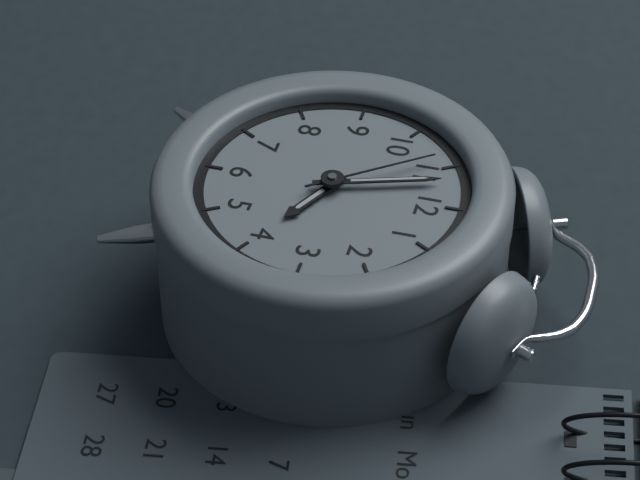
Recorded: h=3 m=57 s=54
